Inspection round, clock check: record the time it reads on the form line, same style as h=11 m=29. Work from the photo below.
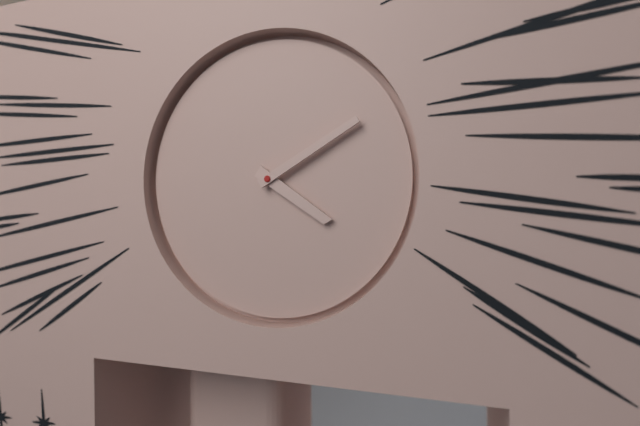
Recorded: h=4 m=10
